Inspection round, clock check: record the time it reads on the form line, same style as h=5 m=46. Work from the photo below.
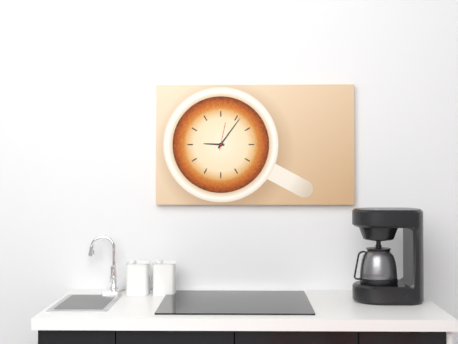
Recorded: h=9 m=6
